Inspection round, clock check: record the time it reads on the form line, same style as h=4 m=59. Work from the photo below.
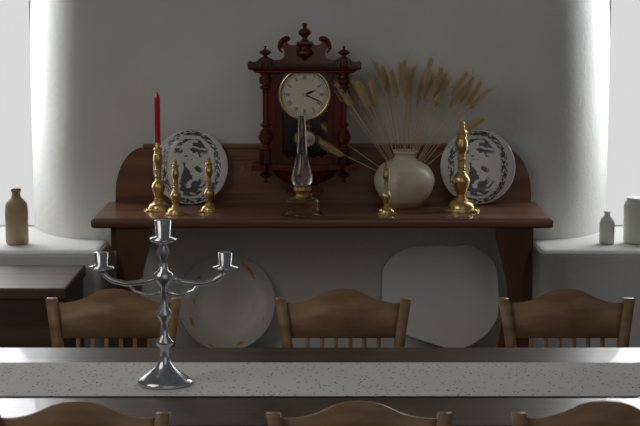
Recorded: h=2 m=19
